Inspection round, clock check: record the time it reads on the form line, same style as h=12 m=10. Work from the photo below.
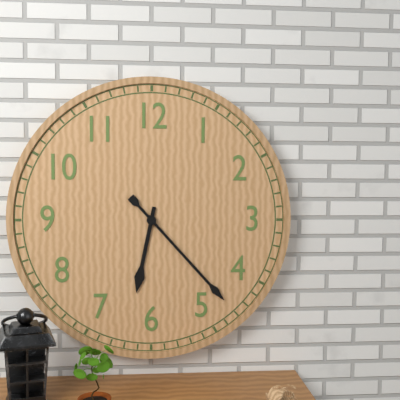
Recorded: h=6 m=23
